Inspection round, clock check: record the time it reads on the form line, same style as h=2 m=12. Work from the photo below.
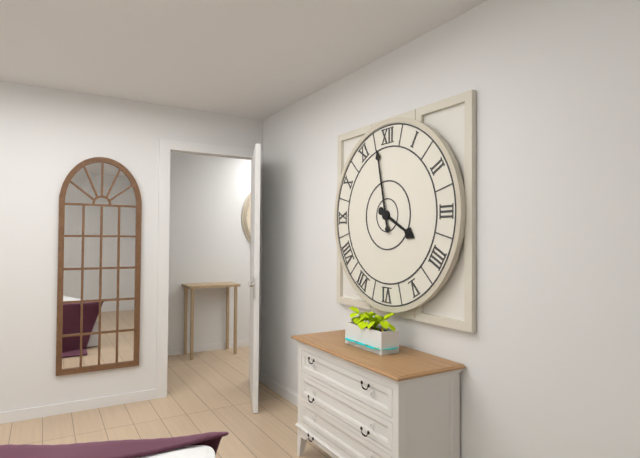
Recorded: h=3 m=58
